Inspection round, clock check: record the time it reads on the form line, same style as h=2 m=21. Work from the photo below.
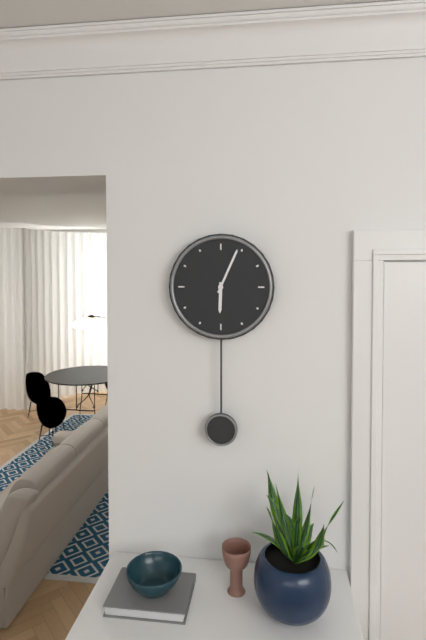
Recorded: h=6 m=4
